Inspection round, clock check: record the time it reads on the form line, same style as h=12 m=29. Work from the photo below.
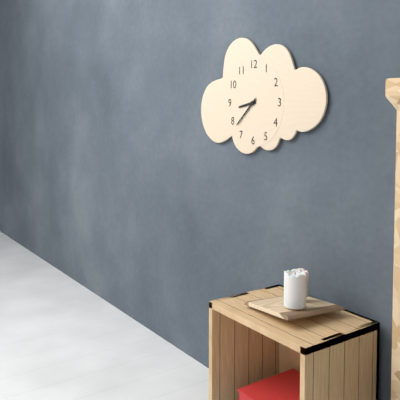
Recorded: h=8 m=38
